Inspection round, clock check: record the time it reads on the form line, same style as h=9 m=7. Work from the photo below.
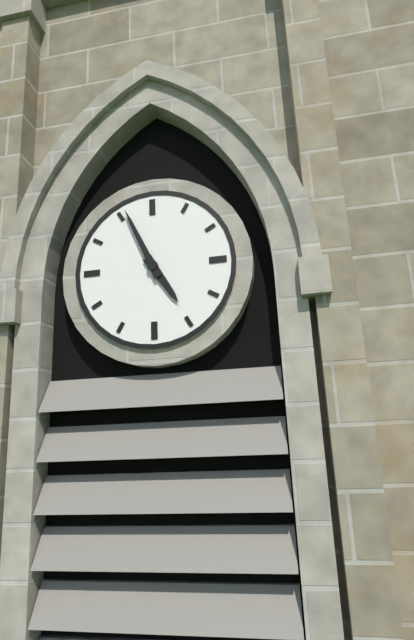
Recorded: h=4 m=56
